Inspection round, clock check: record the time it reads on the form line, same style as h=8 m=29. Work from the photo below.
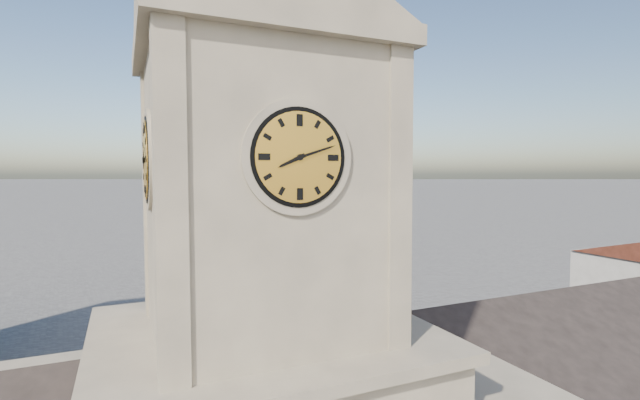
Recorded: h=8 m=12
